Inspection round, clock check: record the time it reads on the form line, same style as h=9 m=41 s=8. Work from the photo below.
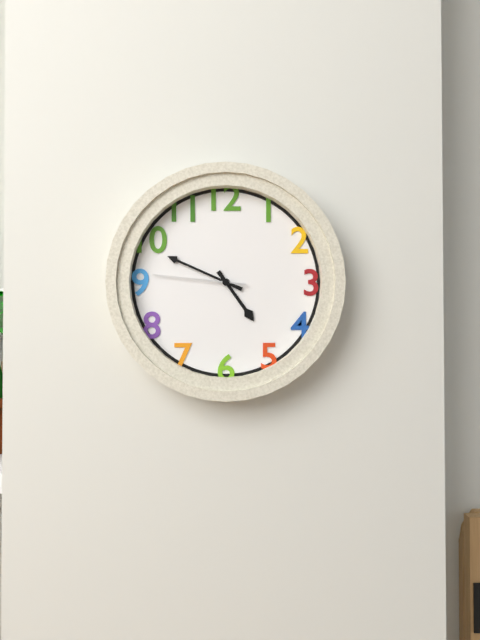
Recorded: h=4 m=49 s=46
